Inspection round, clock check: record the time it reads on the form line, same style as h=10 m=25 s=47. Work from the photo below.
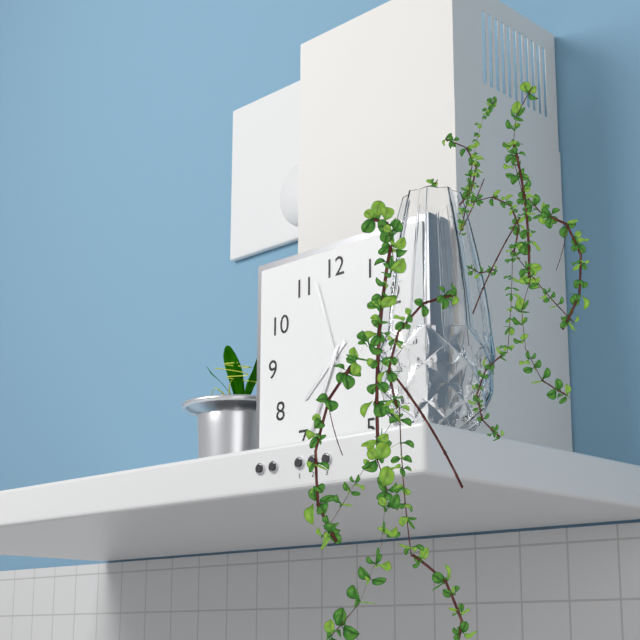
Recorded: h=7 m=34 s=57
